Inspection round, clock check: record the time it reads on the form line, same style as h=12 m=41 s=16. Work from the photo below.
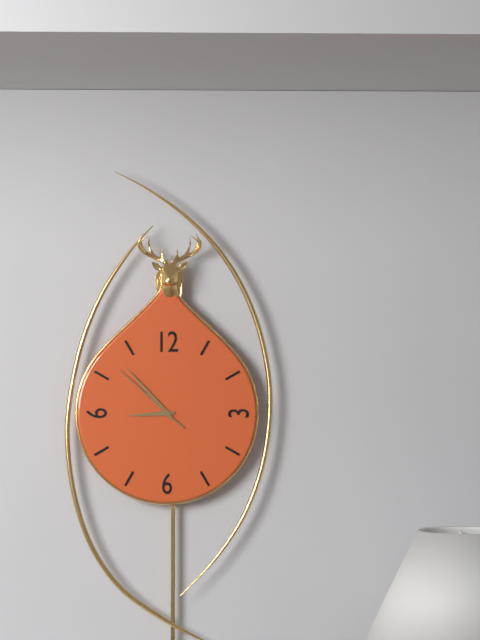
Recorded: h=8 m=53 s=52
